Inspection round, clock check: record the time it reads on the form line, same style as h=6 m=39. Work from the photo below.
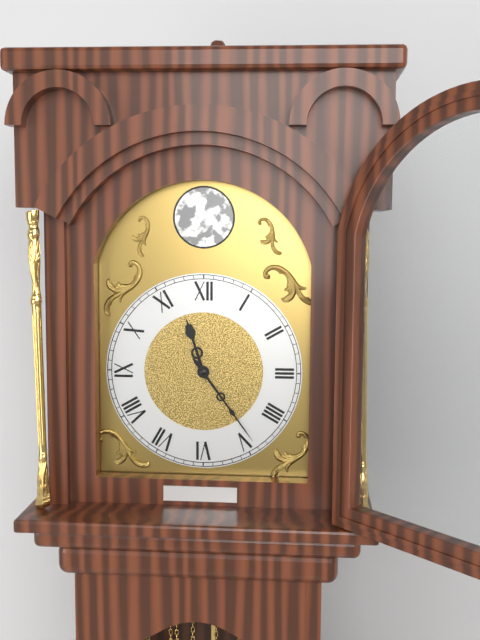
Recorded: h=11 m=24
